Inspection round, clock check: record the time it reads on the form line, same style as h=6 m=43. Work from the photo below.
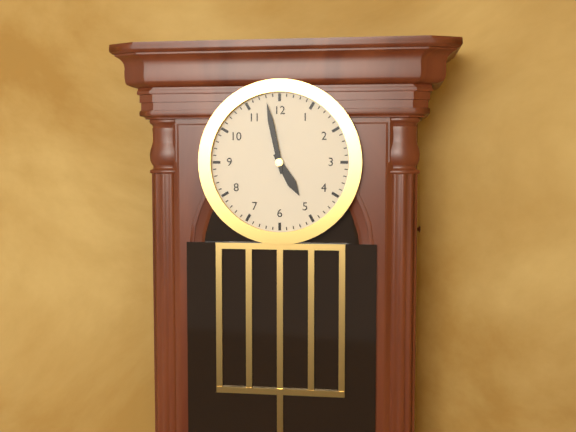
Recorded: h=4 m=58
